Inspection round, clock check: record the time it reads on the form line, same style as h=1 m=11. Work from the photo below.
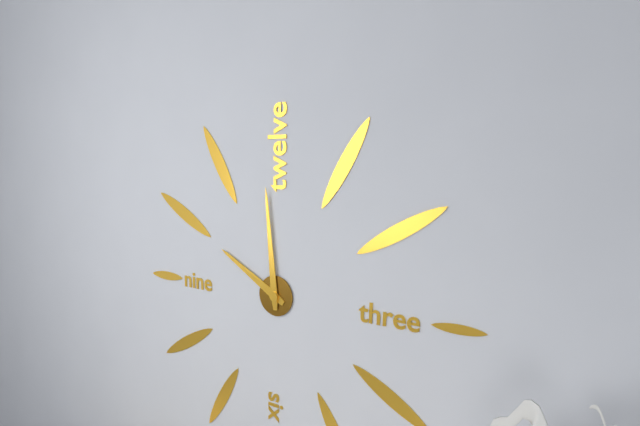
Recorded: h=9 m=59
